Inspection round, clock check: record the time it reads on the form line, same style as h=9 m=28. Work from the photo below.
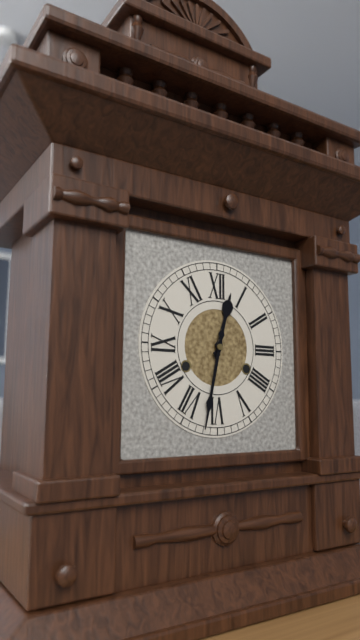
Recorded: h=12 m=32
